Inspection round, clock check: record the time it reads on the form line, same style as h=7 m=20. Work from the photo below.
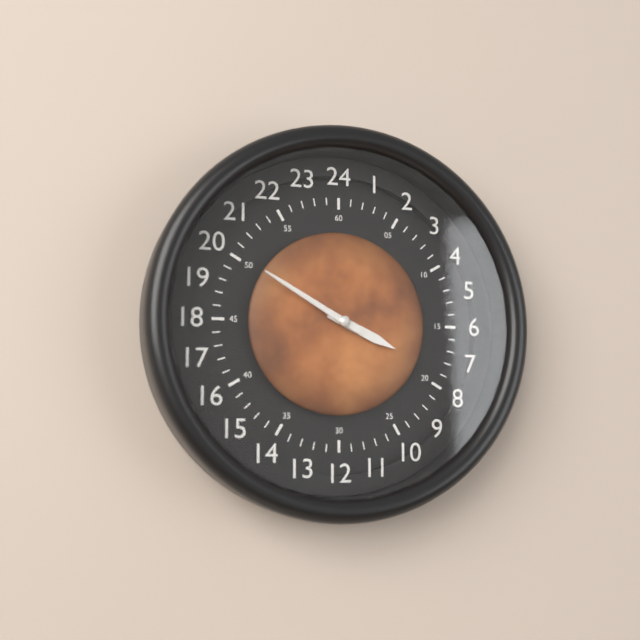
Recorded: h=3 m=50
